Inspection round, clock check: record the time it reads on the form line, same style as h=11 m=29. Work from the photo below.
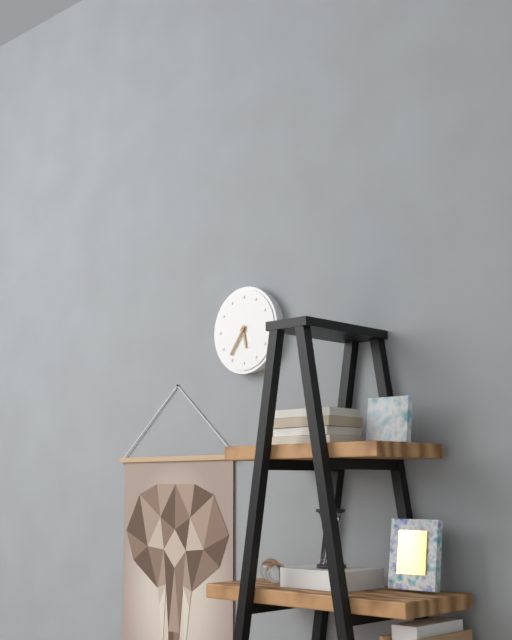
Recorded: h=5 m=36
